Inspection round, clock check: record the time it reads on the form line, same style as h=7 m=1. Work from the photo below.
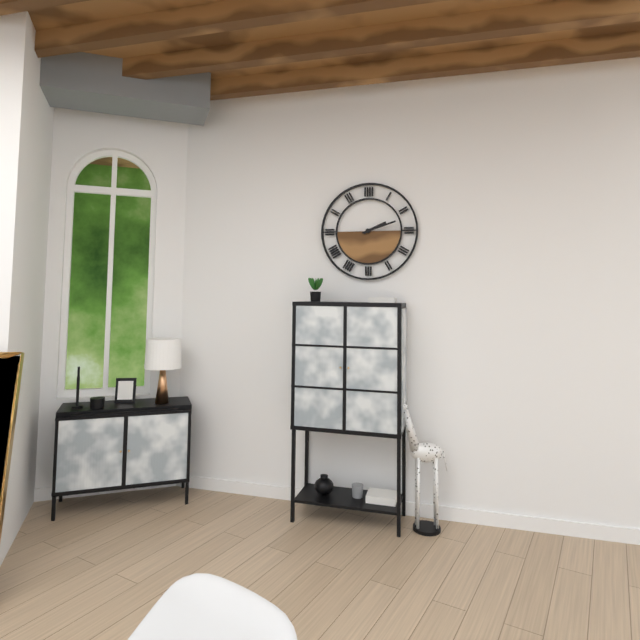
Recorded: h=2 m=12
